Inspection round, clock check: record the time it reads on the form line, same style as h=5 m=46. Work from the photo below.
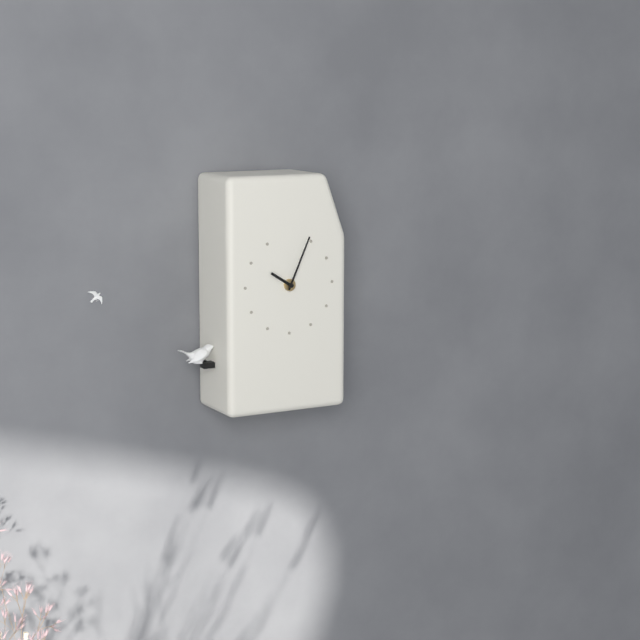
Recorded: h=10 m=4
